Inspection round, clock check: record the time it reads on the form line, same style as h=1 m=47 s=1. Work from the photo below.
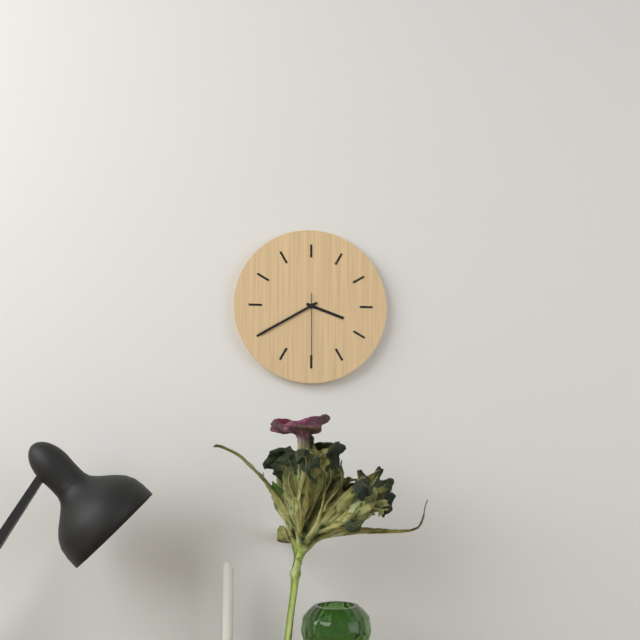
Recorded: h=3 m=40 s=30
